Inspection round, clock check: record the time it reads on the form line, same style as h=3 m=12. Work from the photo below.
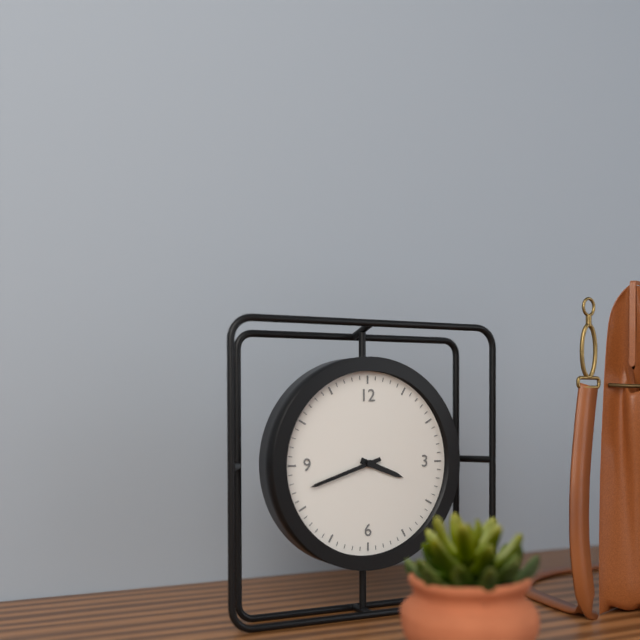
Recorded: h=3 m=42
